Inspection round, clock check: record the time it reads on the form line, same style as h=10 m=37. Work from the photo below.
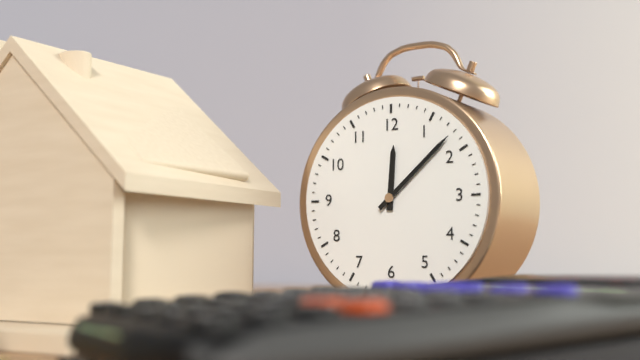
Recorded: h=12 m=8
